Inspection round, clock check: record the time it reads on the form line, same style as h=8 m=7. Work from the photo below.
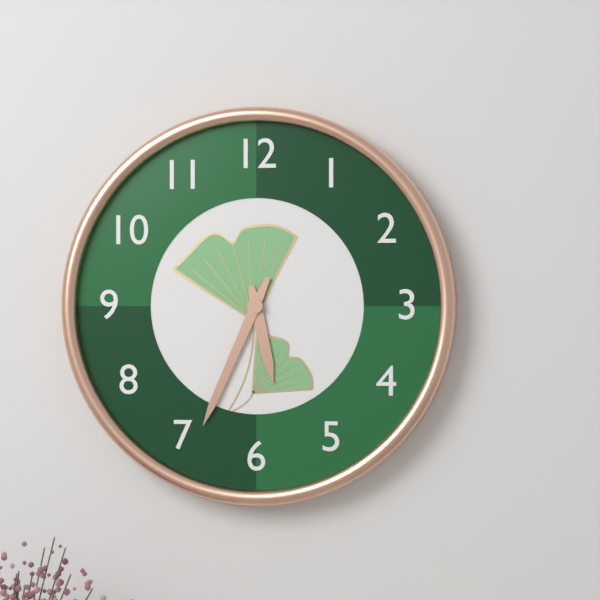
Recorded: h=5 m=34
